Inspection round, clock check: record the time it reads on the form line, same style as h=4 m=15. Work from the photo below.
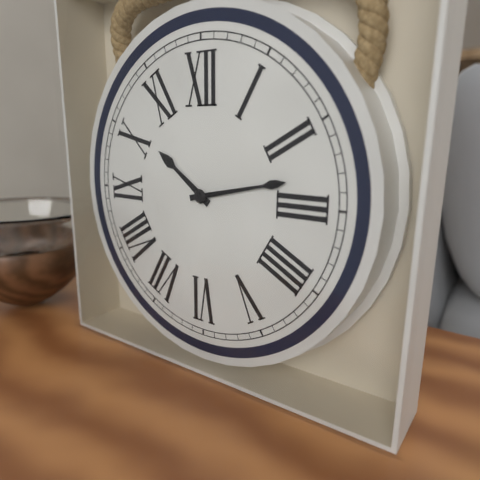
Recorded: h=10 m=13
